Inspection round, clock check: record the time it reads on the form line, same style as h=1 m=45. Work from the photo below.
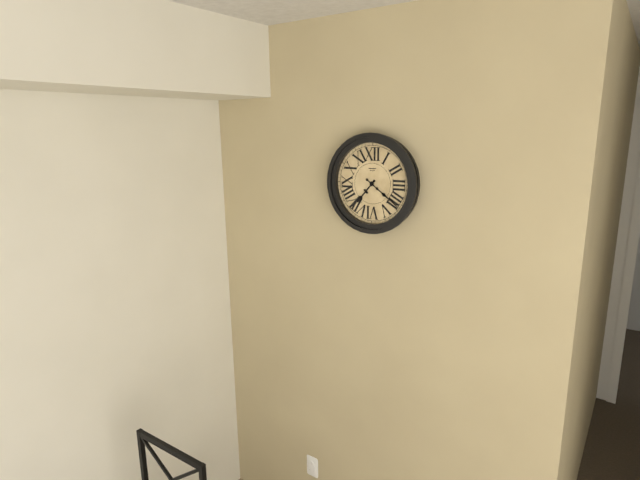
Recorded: h=7 m=21
